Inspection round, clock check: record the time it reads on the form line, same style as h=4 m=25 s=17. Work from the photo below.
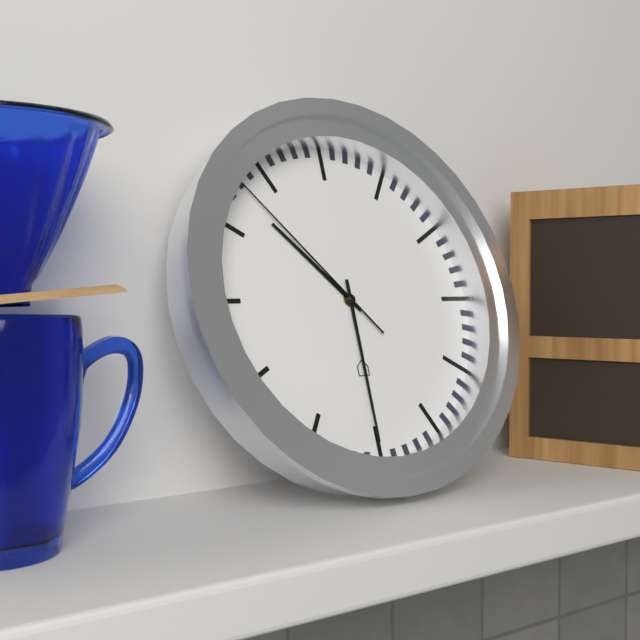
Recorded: h=10 m=30 s=53
